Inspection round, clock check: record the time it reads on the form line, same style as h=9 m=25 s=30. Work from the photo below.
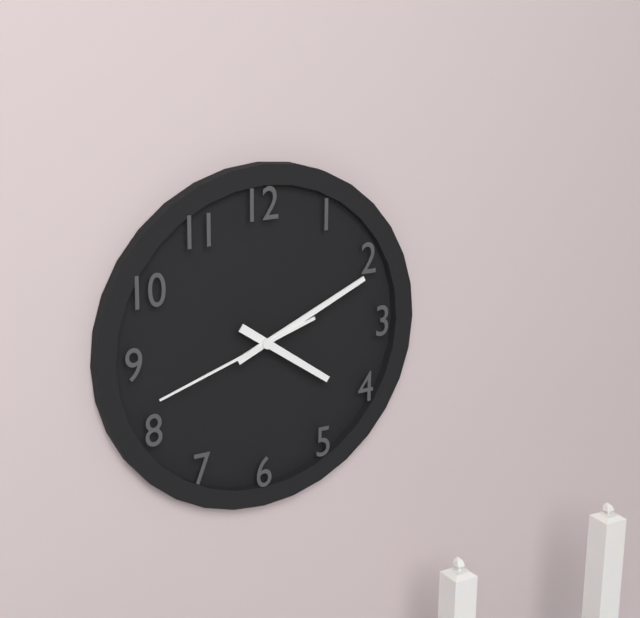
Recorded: h=4 m=11 s=42
